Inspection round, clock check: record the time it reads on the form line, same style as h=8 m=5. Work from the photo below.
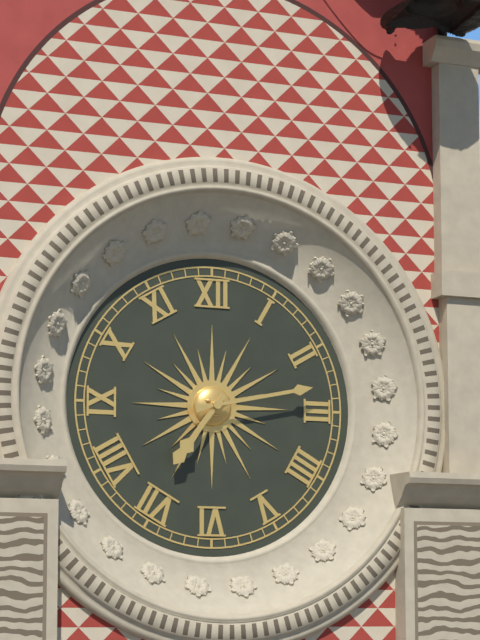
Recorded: h=7 m=13
